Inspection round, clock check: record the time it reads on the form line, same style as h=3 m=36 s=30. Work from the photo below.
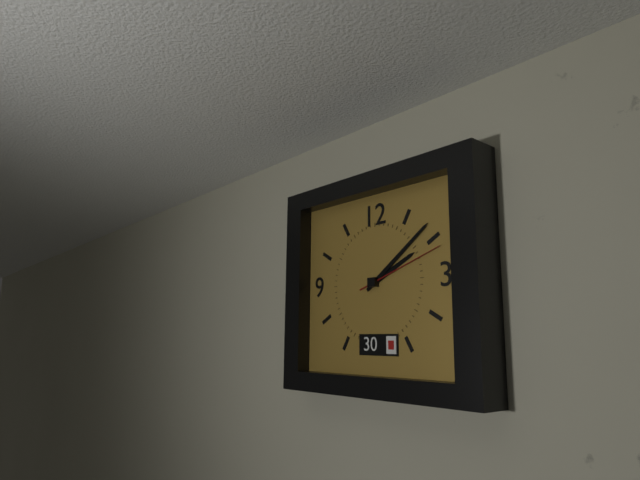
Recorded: h=2 m=9 s=12
